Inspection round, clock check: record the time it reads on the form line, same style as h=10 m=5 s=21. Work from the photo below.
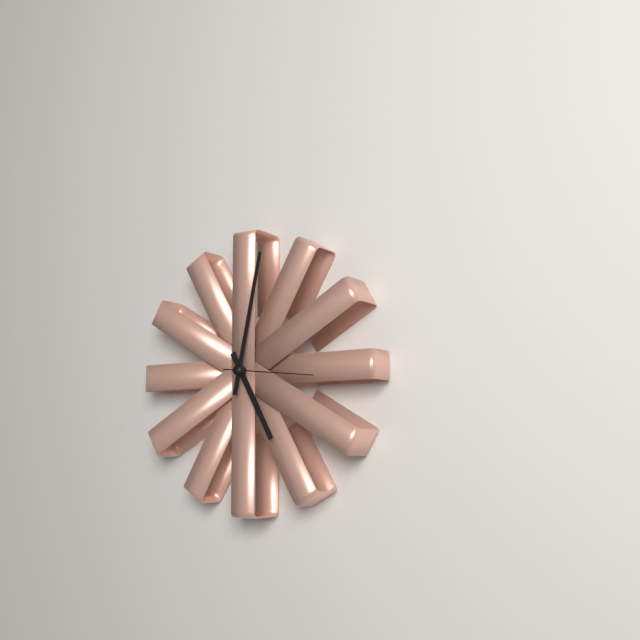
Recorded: h=5 m=2 s=16
